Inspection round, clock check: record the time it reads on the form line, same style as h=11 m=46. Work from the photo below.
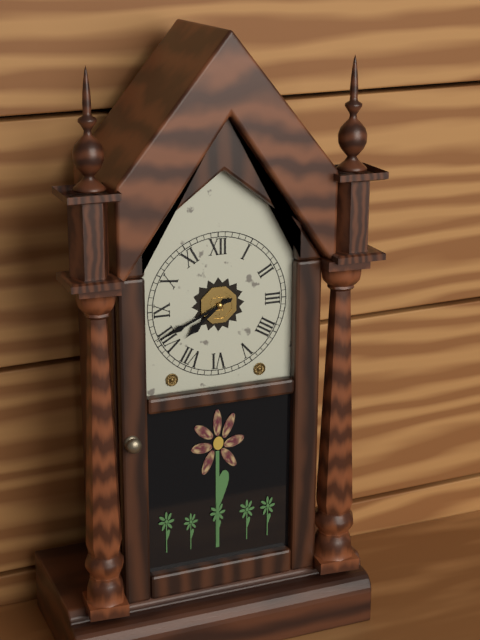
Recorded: h=7 m=41
